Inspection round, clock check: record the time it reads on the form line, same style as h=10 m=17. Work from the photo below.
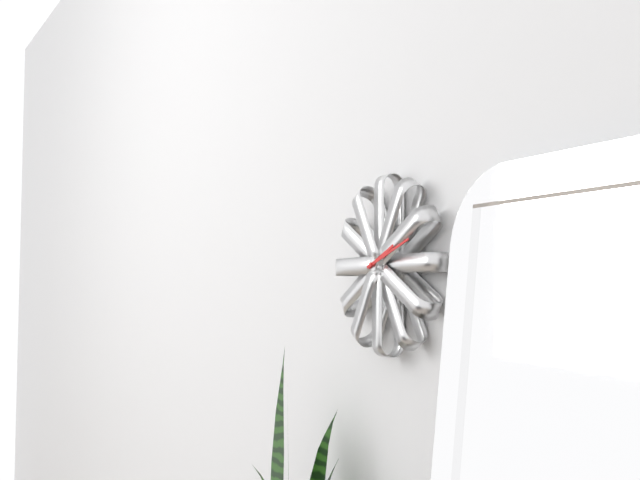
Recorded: h=2 m=12
